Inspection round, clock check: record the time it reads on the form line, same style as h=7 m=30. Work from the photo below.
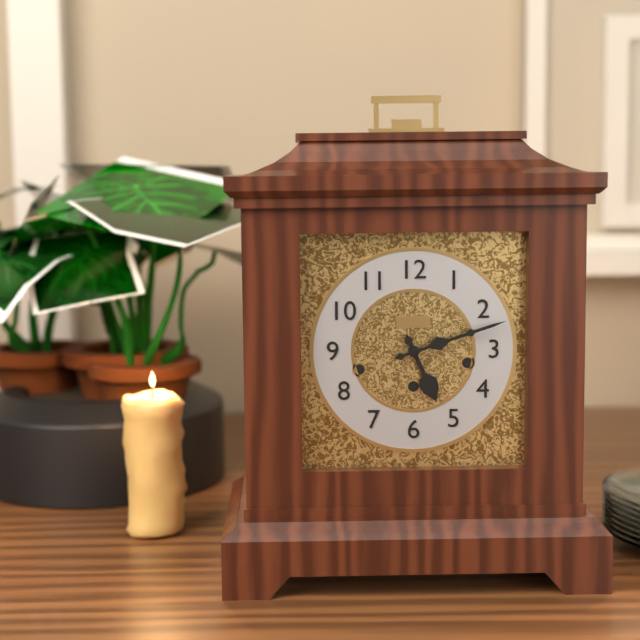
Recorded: h=5 m=12
